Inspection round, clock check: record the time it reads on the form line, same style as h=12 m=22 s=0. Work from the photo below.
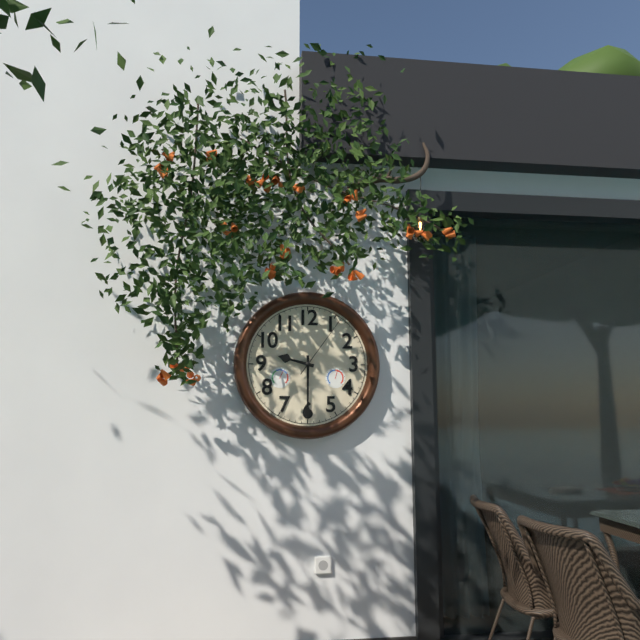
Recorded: h=9 m=30 s=6
